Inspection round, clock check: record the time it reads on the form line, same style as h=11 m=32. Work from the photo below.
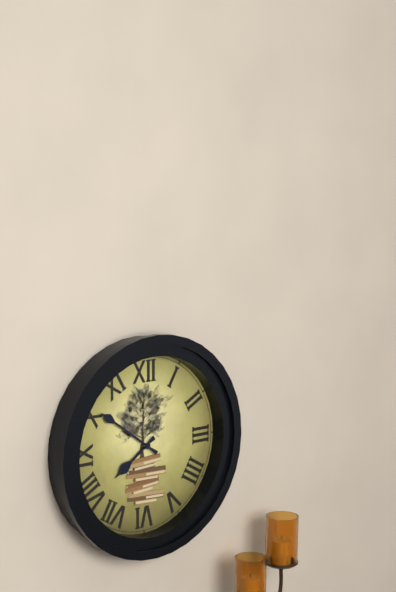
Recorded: h=7 m=51
